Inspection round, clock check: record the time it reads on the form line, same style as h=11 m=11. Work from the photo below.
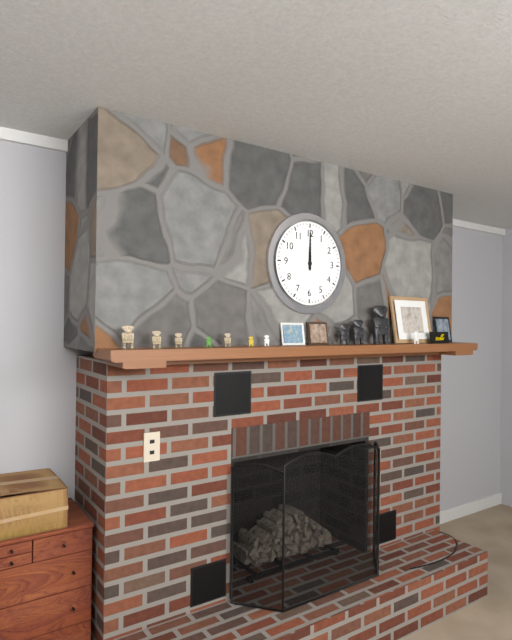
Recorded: h=12 m=0
